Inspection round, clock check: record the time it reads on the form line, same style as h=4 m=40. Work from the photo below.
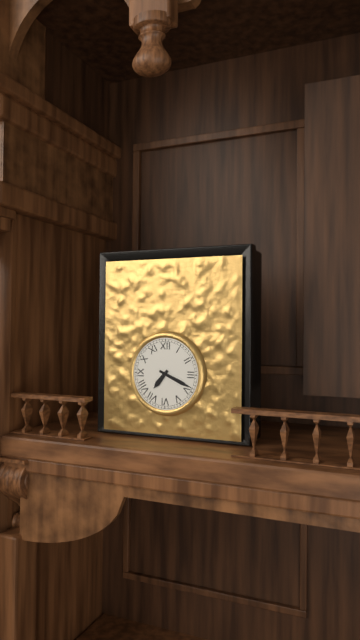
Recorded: h=7 m=19
